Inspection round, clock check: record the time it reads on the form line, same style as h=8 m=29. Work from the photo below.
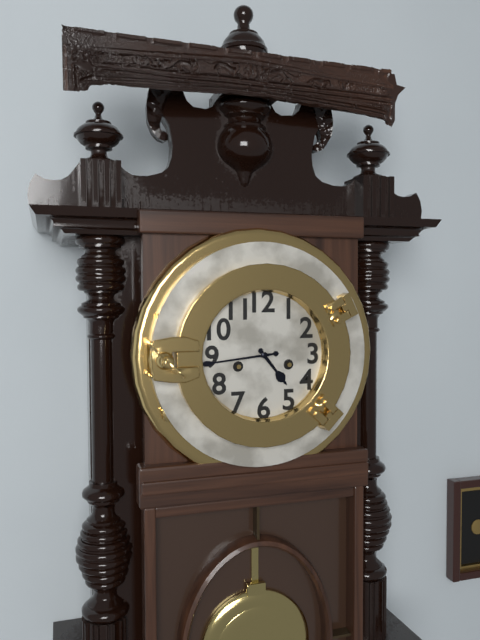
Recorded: h=4 m=44
